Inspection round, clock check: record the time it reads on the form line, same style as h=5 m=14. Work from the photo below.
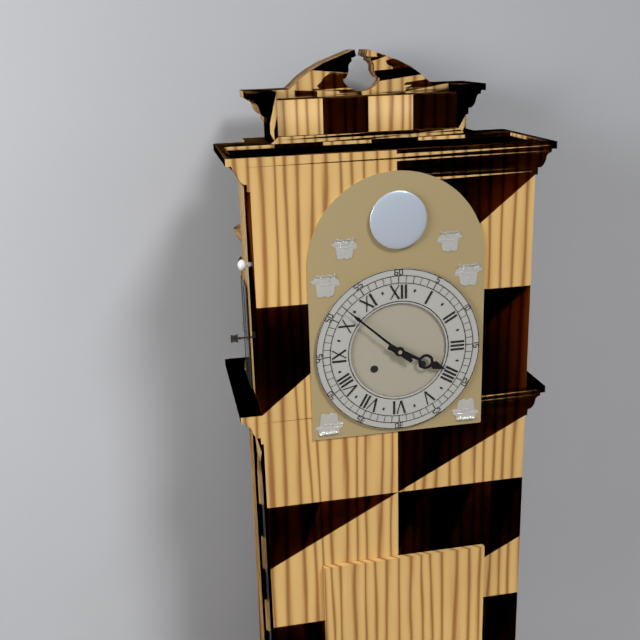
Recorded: h=3 m=52
